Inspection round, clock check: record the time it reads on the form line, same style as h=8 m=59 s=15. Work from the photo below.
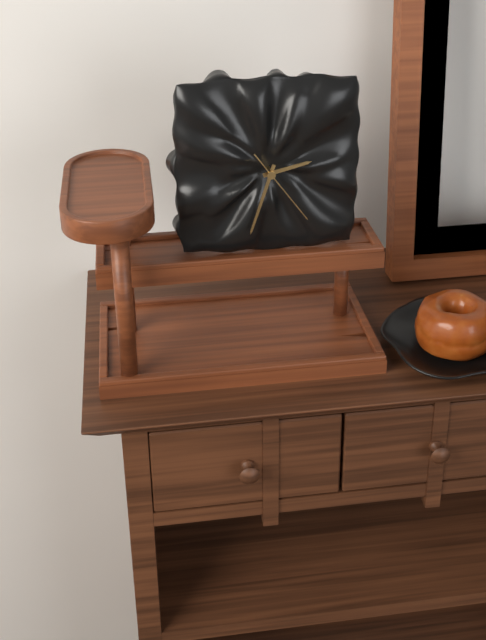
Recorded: h=2 m=33 s=24
